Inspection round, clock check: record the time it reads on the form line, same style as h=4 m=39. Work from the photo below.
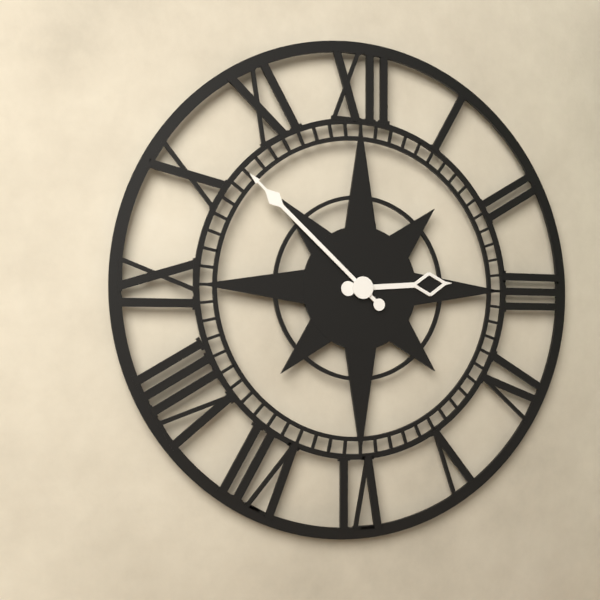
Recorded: h=2 m=52
